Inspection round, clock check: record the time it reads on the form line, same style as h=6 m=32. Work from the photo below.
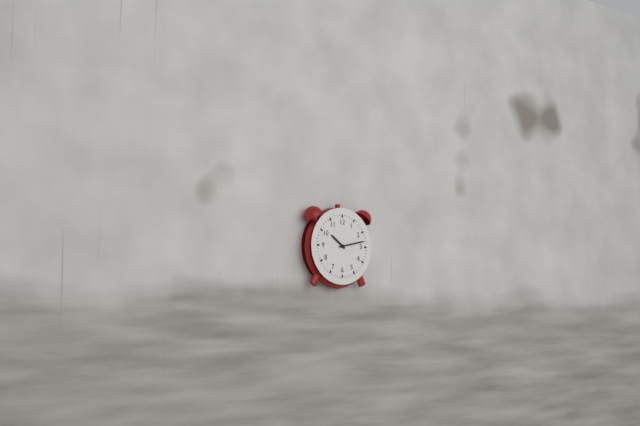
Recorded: h=10 m=13
